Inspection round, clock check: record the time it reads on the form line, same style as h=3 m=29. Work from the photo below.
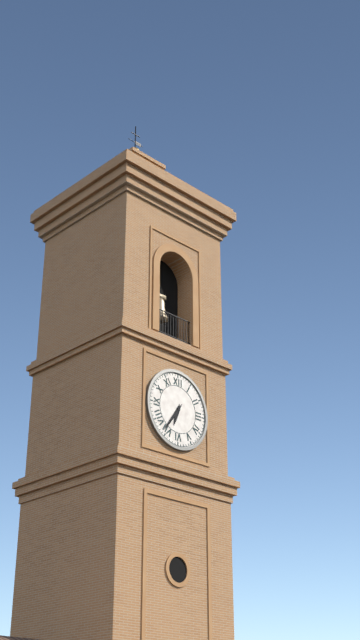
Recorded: h=6 m=36
